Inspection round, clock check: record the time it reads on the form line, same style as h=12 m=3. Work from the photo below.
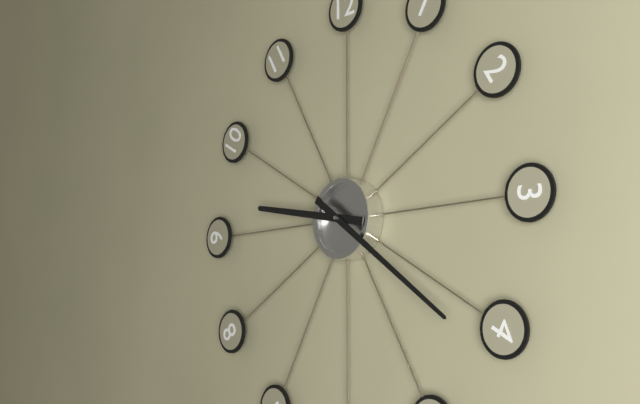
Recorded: h=9 m=21
